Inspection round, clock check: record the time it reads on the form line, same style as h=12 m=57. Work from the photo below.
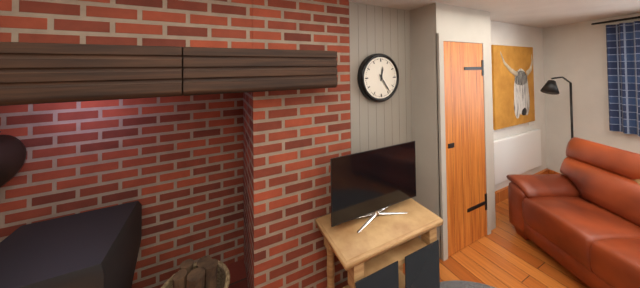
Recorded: h=12 m=24
